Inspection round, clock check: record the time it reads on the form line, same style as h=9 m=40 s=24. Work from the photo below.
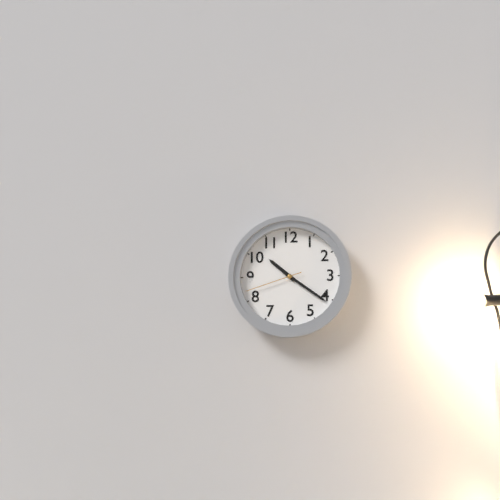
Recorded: h=10 m=21 s=42
